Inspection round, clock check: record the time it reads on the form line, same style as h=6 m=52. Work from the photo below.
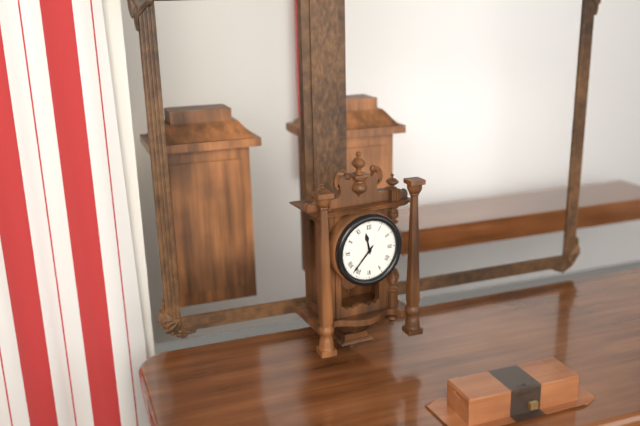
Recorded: h=11 m=37
